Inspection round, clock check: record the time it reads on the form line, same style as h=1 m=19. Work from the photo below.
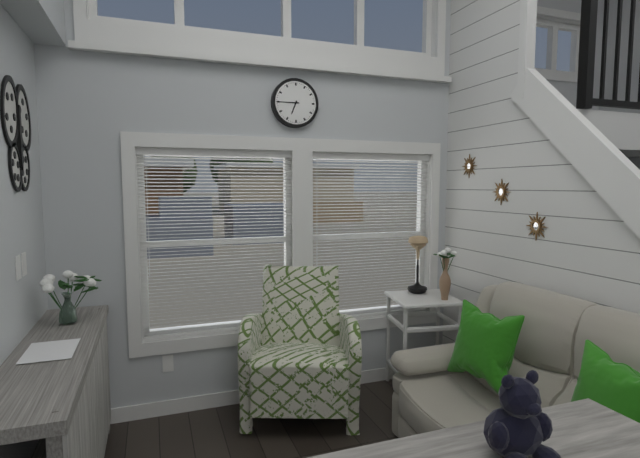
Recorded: h=6 m=45
